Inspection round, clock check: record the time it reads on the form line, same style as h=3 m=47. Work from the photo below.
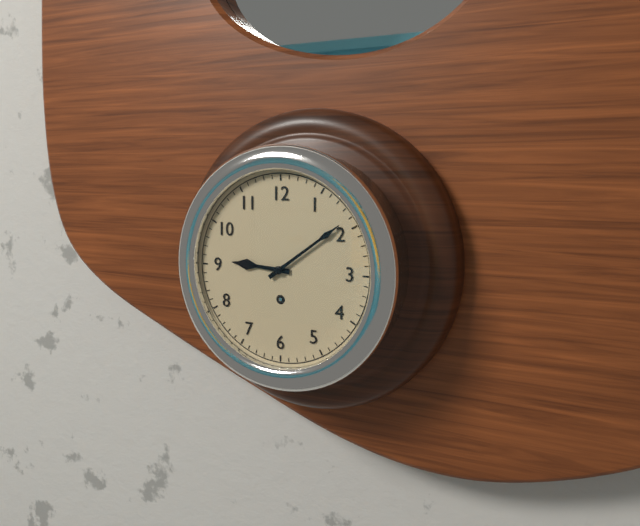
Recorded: h=9 m=9
